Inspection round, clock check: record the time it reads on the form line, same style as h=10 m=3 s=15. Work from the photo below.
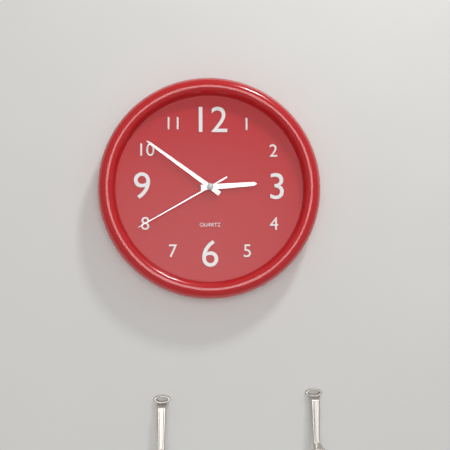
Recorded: h=2 m=51 s=40
